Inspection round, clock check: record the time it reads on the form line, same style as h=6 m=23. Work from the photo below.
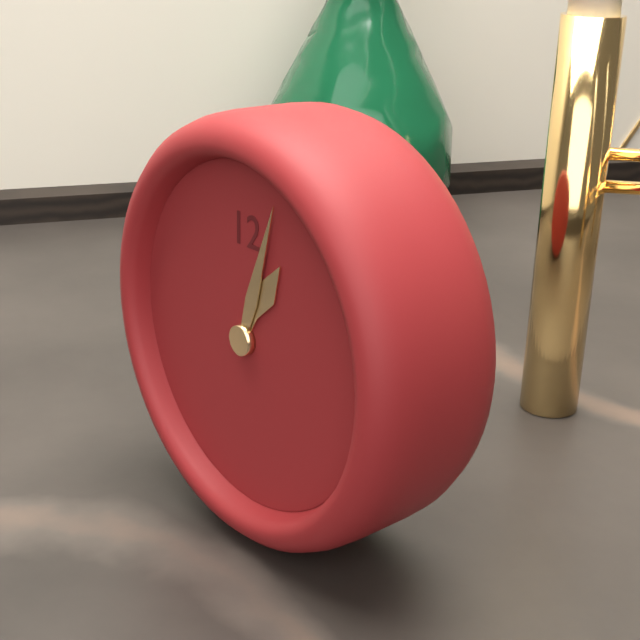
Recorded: h=1 m=3
